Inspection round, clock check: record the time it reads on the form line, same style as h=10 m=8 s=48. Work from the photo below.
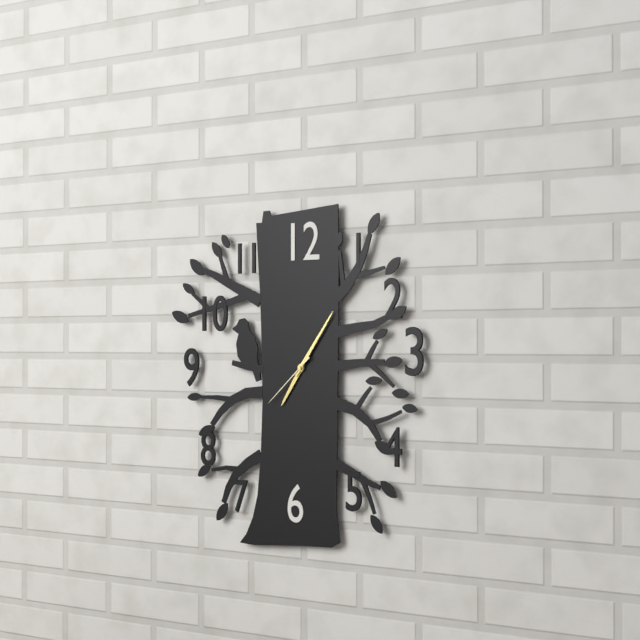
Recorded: h=7 m=6 s=38
